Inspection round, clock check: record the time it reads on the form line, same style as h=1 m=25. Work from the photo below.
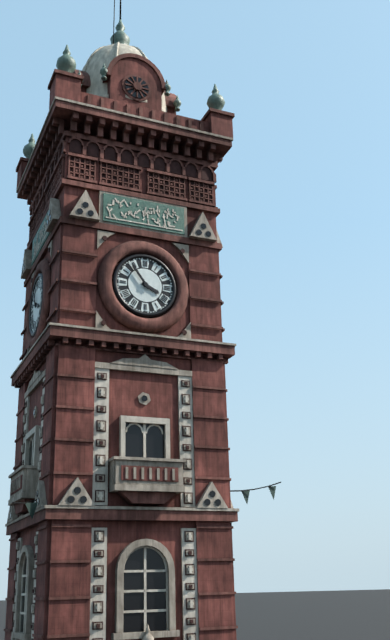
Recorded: h=3 m=54
